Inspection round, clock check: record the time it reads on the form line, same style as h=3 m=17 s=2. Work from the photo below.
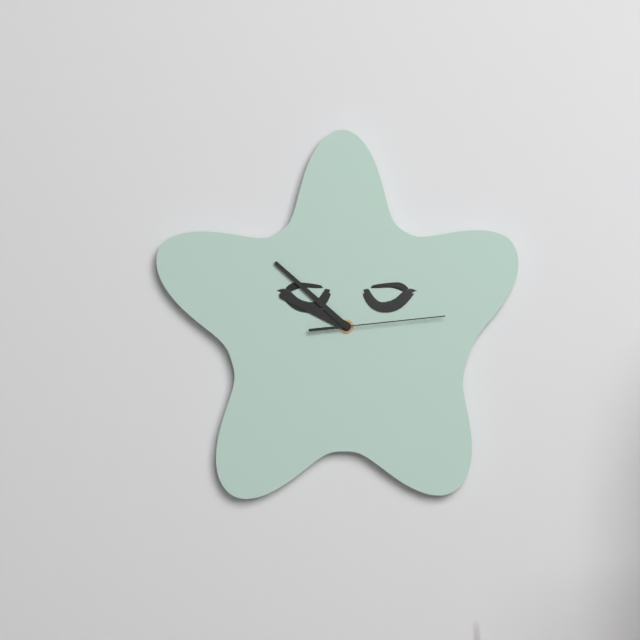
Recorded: h=9 m=52 s=14
